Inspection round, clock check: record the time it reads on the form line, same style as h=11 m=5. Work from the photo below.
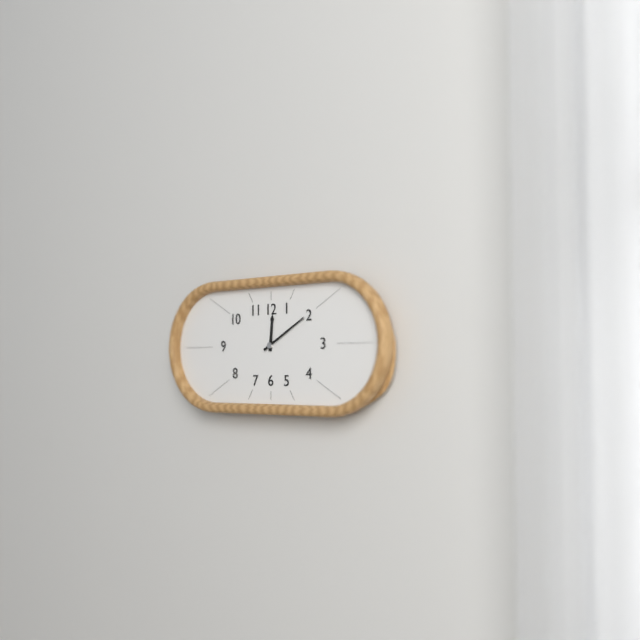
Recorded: h=12 m=10
